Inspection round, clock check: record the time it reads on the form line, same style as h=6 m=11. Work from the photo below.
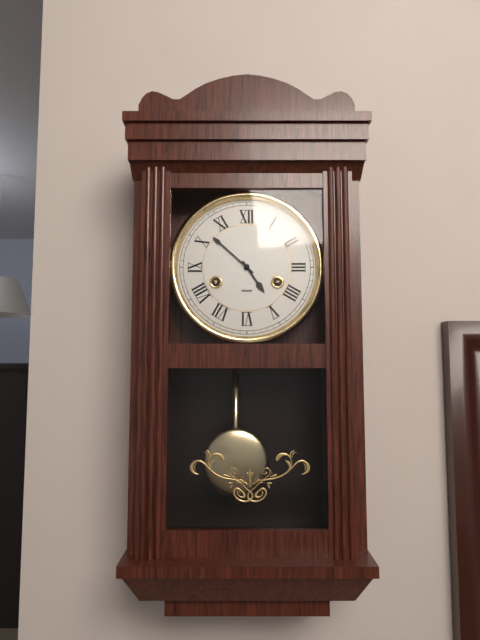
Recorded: h=4 m=52
